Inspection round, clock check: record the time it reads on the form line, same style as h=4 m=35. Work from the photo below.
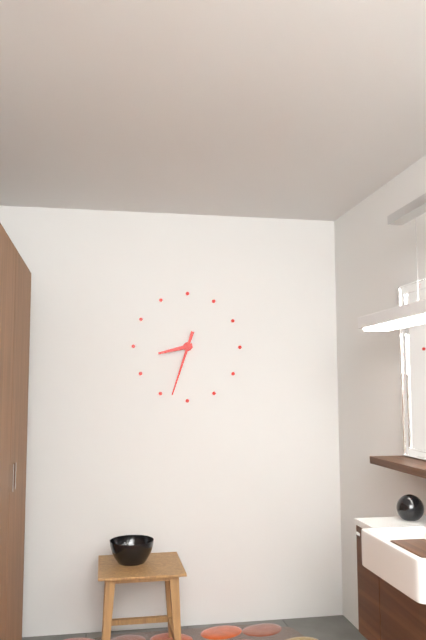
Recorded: h=8 m=33
